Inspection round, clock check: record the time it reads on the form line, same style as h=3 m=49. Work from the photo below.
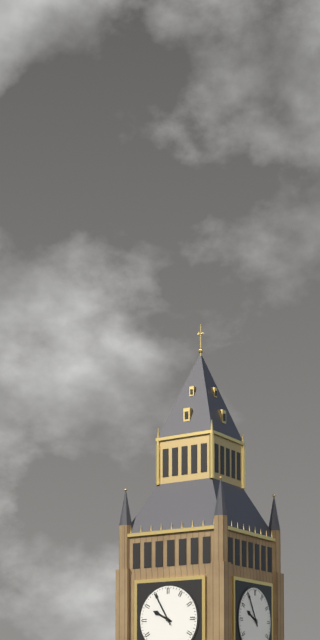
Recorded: h=9 m=55
